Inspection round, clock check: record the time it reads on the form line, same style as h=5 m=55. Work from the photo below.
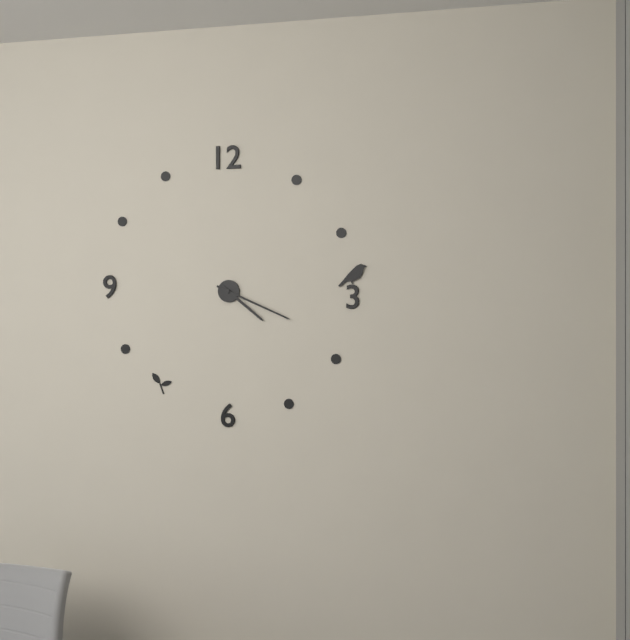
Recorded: h=4 m=19
